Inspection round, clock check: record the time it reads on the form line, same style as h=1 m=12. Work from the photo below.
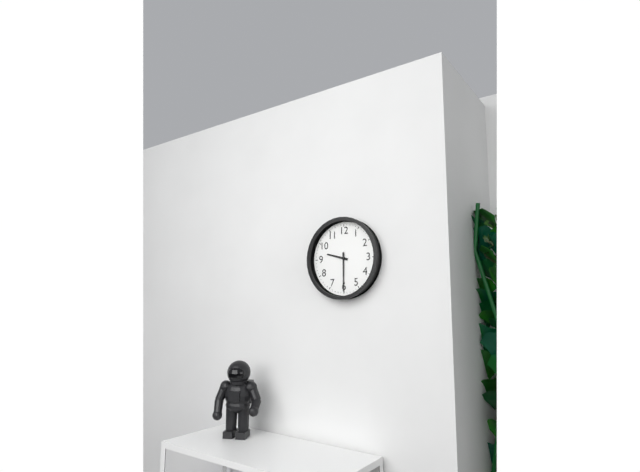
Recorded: h=9 m=30
